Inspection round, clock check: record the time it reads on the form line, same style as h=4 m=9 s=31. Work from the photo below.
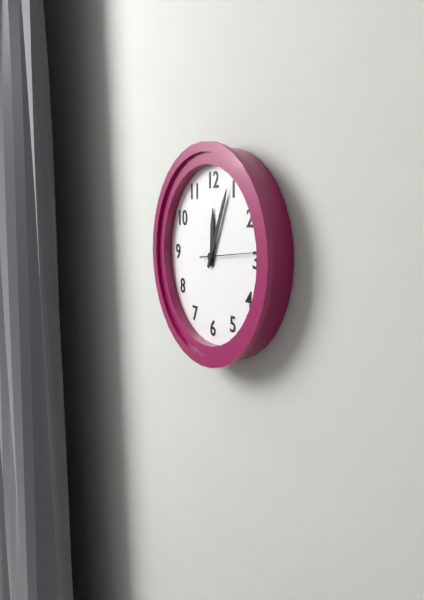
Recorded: h=12 m=4 s=14
